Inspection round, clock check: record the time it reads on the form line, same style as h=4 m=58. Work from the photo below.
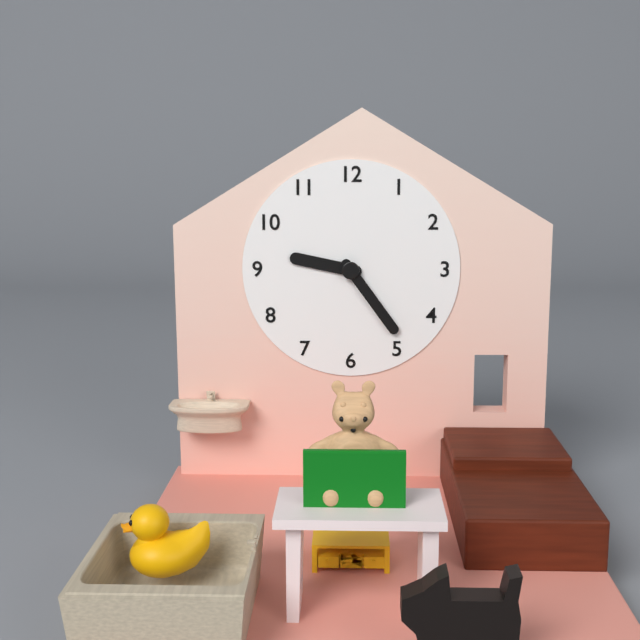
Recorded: h=9 m=24
